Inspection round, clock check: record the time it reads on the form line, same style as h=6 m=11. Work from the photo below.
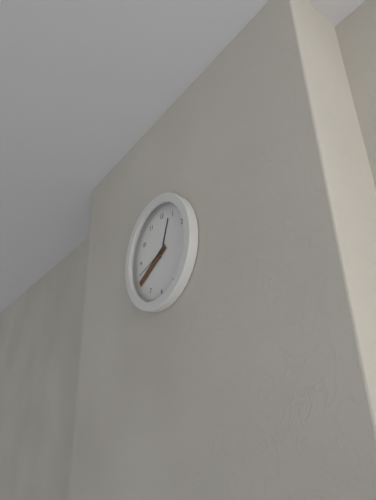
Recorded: h=12 m=40
